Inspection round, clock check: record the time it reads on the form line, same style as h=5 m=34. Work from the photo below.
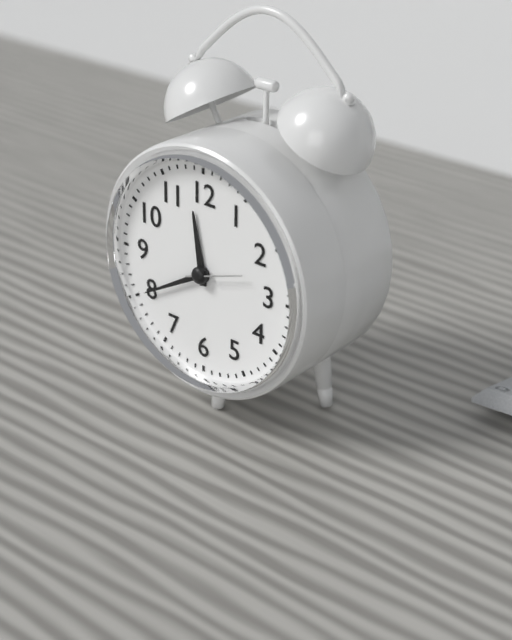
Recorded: h=11 m=40
